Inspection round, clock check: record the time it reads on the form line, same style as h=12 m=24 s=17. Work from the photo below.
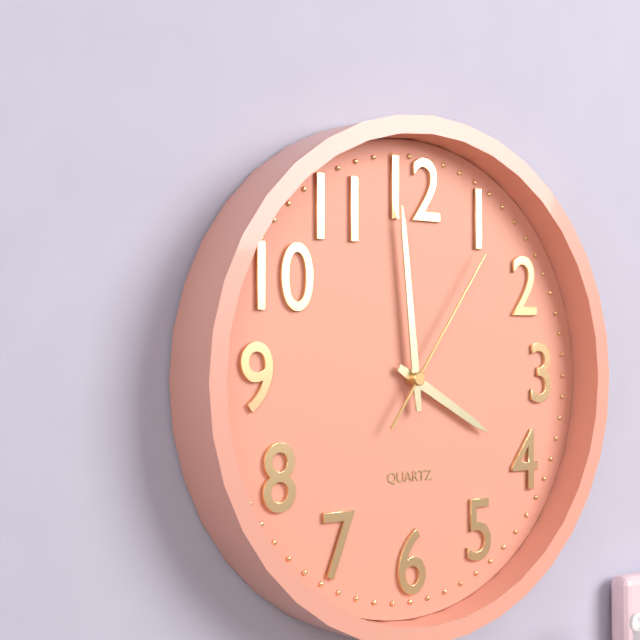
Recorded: h=3 m=59 s=6
